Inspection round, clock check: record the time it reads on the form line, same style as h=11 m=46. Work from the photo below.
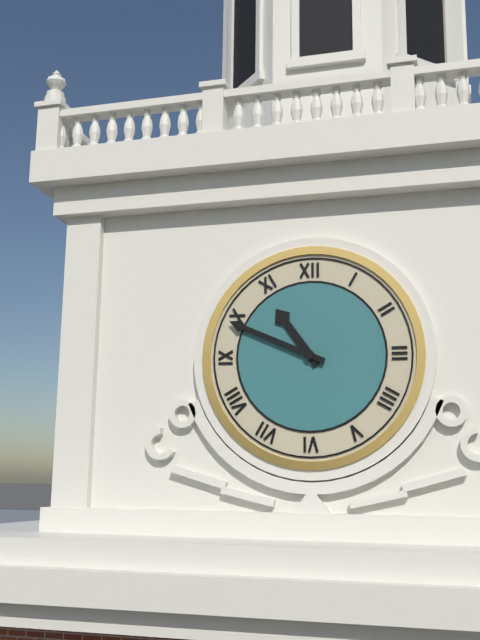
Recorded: h=10 m=49
